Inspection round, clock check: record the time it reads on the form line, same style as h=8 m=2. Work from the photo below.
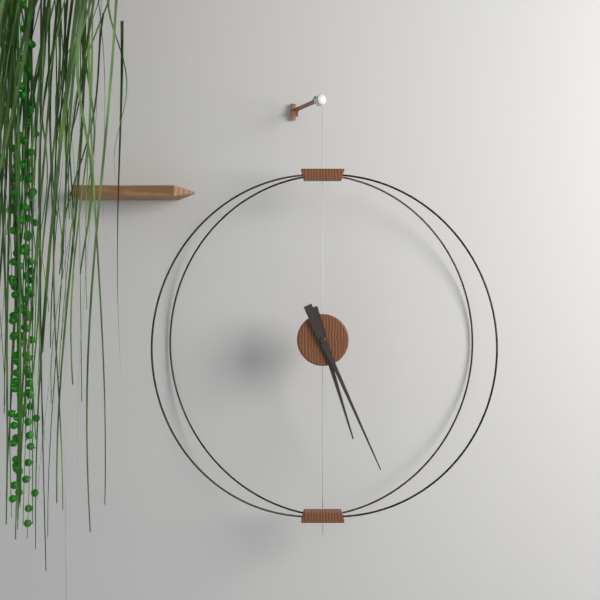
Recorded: h=5 m=26
